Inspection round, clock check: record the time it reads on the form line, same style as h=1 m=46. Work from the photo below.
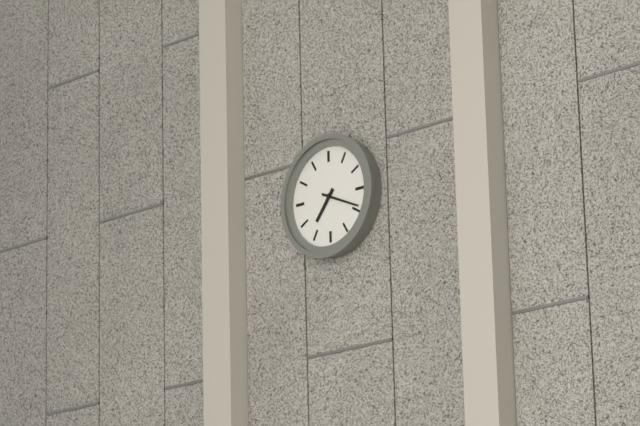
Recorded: h=7 m=19
